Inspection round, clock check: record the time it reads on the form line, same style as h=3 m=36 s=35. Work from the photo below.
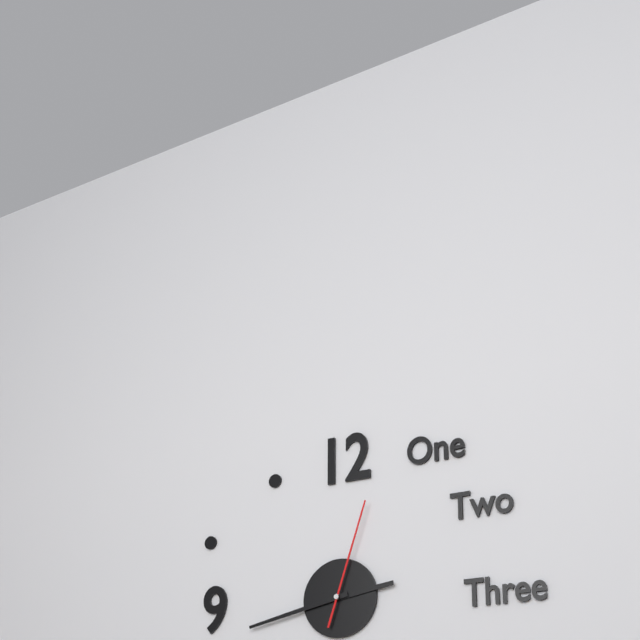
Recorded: h=2 m=43 s=3
